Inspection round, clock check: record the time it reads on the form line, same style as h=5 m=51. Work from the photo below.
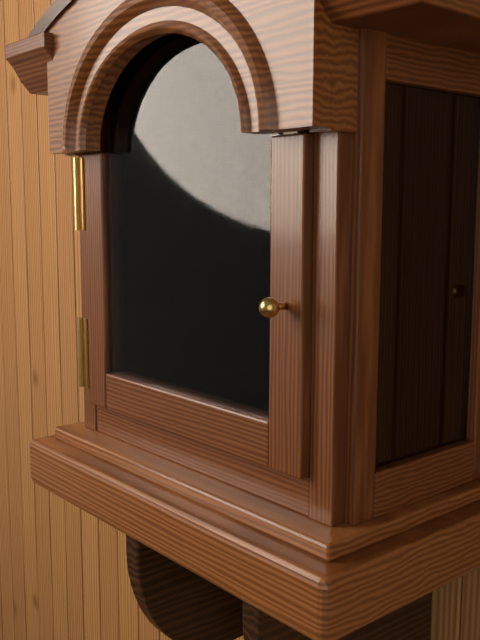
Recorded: h=12 m=50
